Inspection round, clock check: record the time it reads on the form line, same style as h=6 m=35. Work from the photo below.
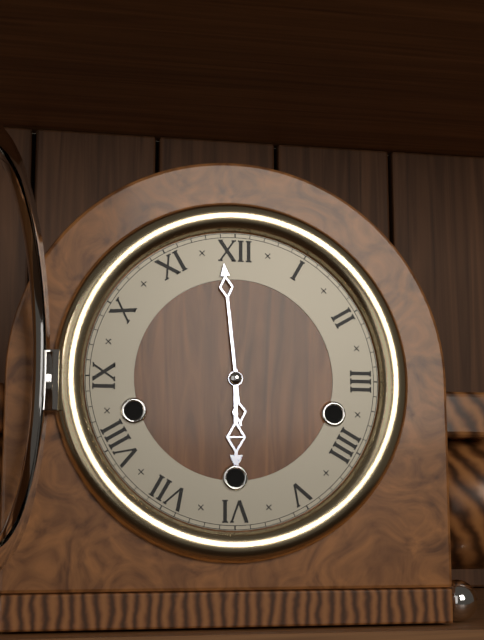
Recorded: h=5 m=59
